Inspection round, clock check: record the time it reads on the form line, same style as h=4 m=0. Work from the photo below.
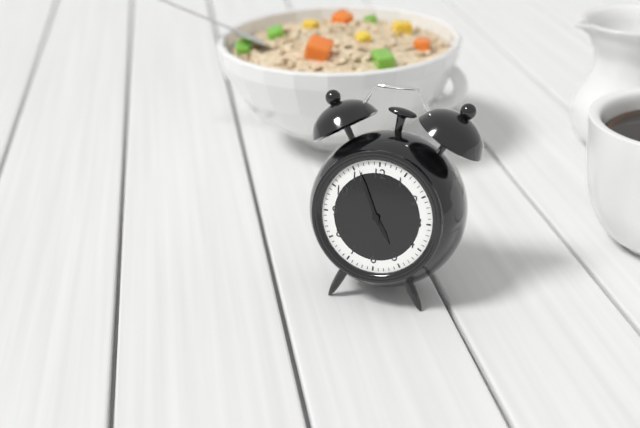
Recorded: h=4 m=56
